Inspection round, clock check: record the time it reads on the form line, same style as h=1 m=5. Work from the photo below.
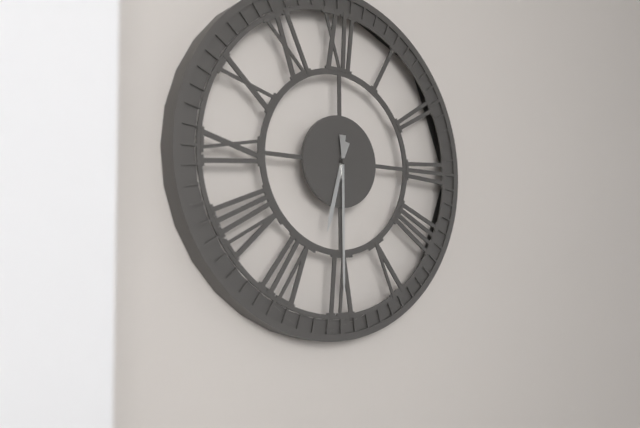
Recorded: h=6 m=30
